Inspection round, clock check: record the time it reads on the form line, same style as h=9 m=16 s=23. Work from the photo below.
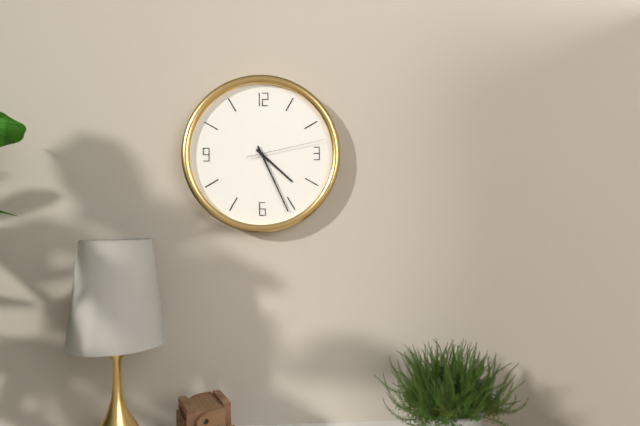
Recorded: h=4 m=26 s=13
